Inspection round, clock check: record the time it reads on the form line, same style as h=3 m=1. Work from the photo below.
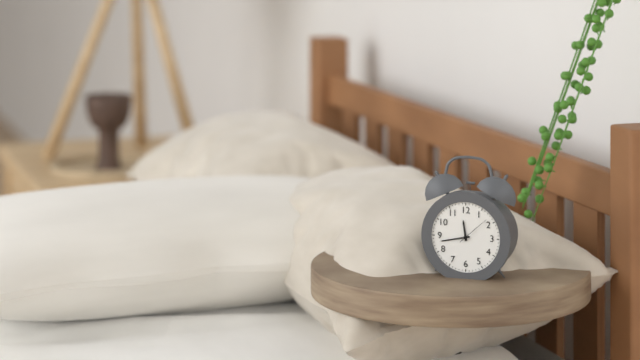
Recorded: h=11 m=43
